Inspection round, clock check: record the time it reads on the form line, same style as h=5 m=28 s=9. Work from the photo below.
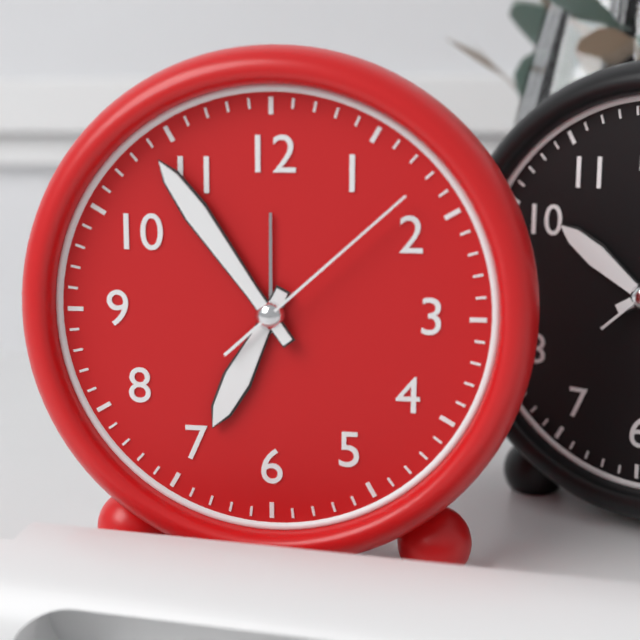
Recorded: h=6 m=54 s=8
